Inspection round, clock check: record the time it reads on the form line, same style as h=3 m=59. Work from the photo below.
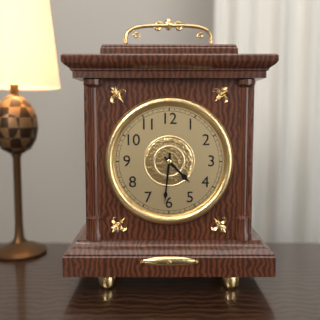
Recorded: h=4 m=31
